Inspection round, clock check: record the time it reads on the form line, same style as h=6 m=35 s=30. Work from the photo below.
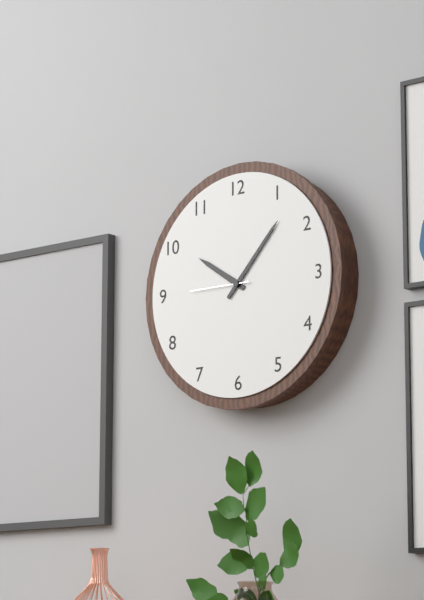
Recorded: h=10 m=7 s=45
